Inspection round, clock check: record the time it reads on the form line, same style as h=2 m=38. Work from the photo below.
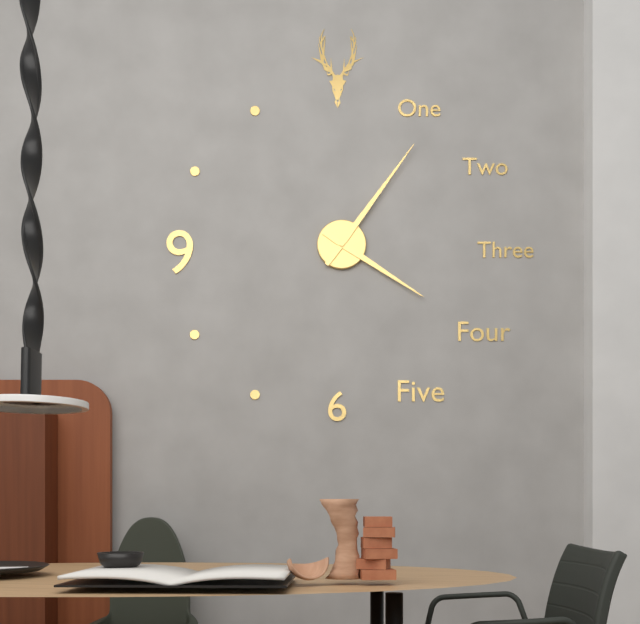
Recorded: h=4 m=6
